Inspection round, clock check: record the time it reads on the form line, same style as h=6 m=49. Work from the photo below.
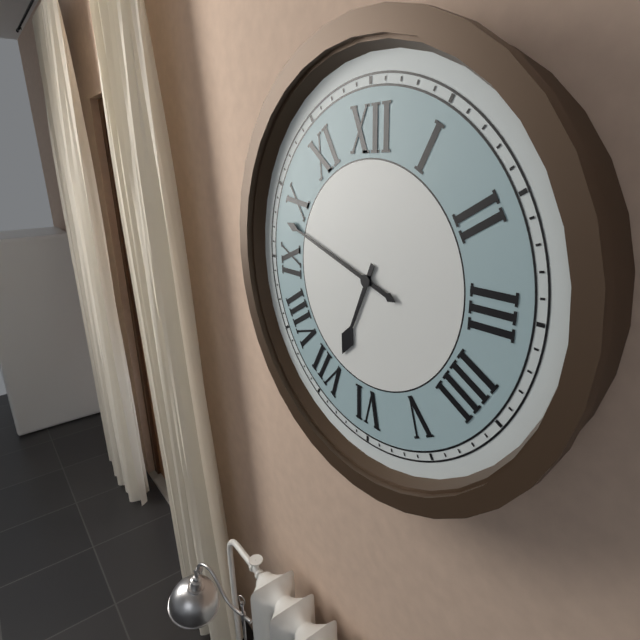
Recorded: h=6 m=48
